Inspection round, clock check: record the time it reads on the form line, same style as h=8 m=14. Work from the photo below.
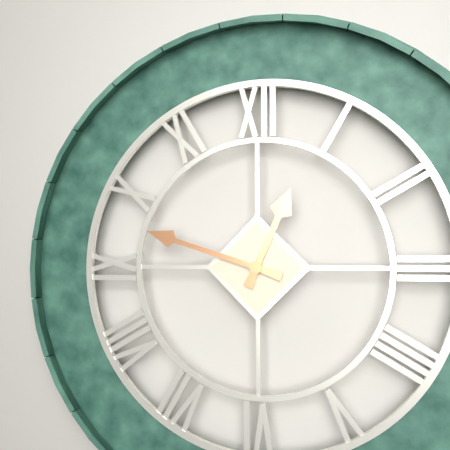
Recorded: h=12 m=48
